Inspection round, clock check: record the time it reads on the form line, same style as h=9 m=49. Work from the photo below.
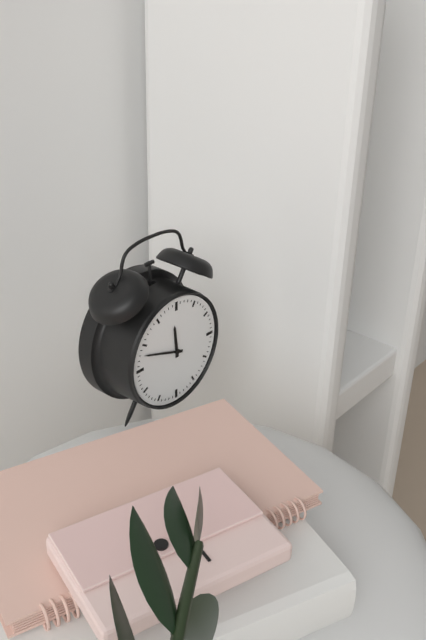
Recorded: h=11 m=48
